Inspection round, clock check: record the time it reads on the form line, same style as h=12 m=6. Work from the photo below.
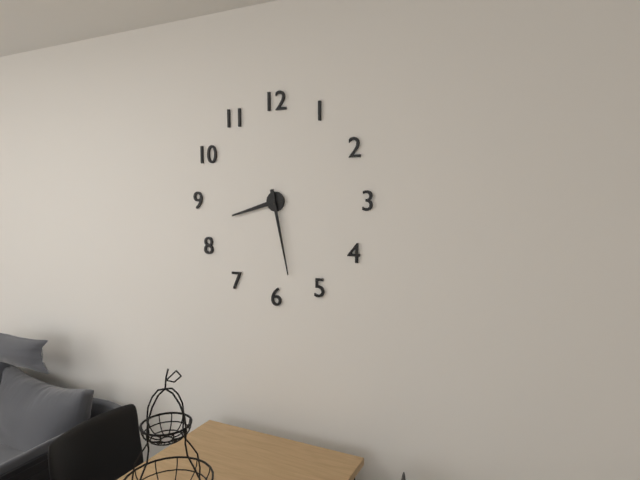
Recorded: h=8 m=28
